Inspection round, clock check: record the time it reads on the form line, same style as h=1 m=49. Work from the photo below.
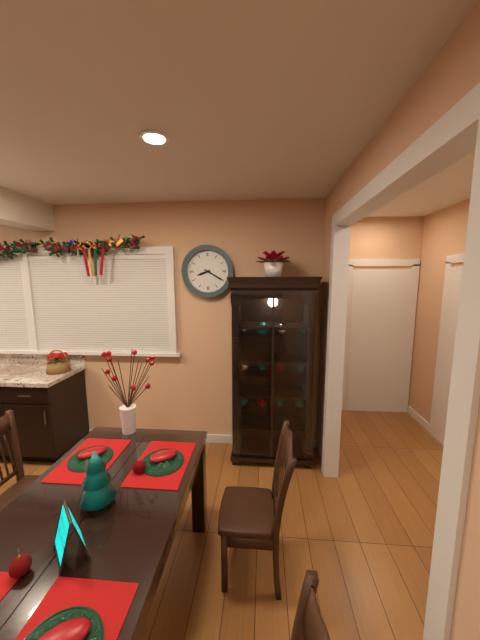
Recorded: h=8 m=20
